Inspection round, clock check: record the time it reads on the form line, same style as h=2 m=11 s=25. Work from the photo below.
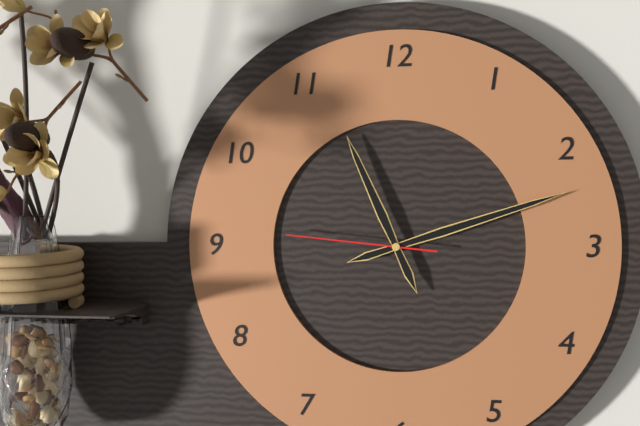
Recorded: h=11 m=12 s=46
